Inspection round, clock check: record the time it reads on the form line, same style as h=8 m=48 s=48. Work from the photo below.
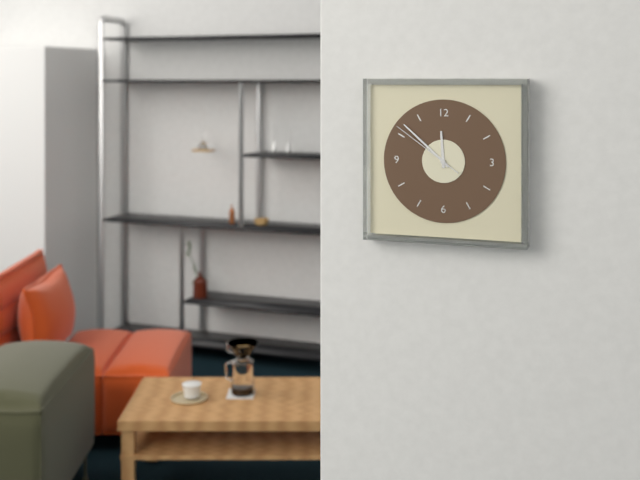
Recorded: h=11 m=52 s=51
